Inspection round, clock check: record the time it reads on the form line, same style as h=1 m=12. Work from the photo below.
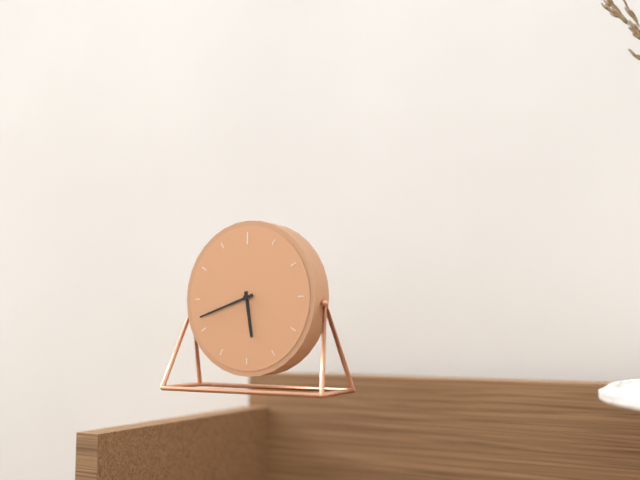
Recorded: h=5 m=42
